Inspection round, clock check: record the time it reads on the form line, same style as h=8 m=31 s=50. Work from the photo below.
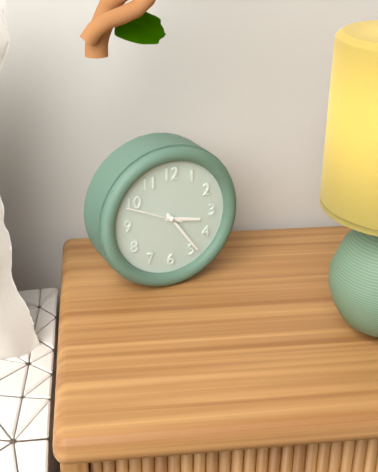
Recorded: h=3 m=24 s=49
